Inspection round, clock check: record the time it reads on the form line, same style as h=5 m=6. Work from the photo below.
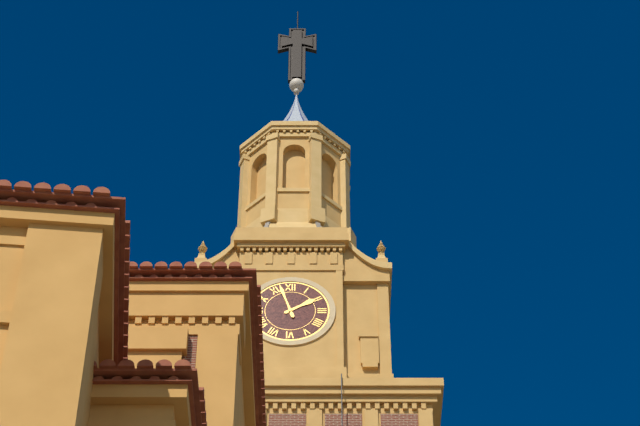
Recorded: h=1 m=57
